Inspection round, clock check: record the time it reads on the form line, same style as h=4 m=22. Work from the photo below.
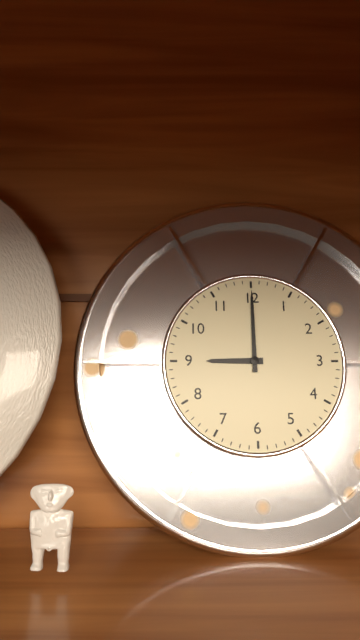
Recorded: h=9 m=0
